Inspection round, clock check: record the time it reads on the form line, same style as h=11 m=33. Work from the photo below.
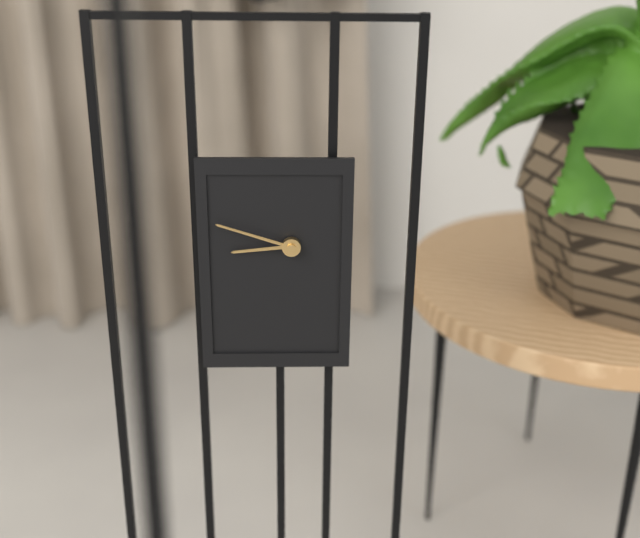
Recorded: h=8 m=48
